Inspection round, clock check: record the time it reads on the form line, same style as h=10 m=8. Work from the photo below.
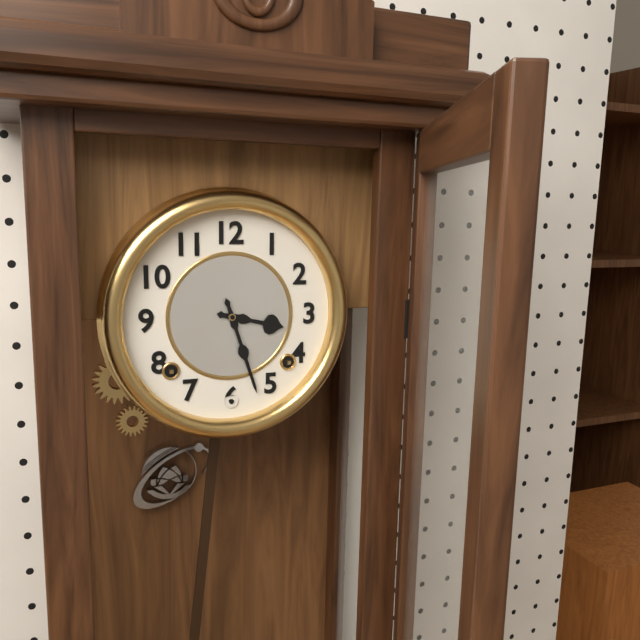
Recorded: h=3 m=27
